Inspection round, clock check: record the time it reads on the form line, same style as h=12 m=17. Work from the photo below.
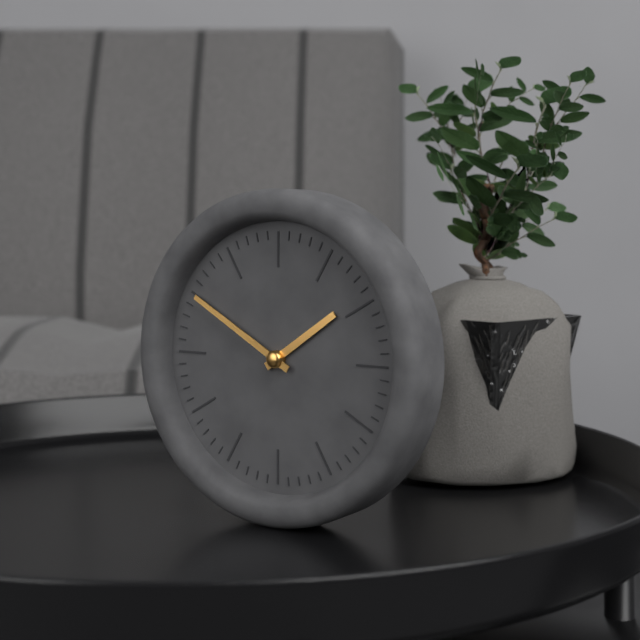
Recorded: h=1 m=50
